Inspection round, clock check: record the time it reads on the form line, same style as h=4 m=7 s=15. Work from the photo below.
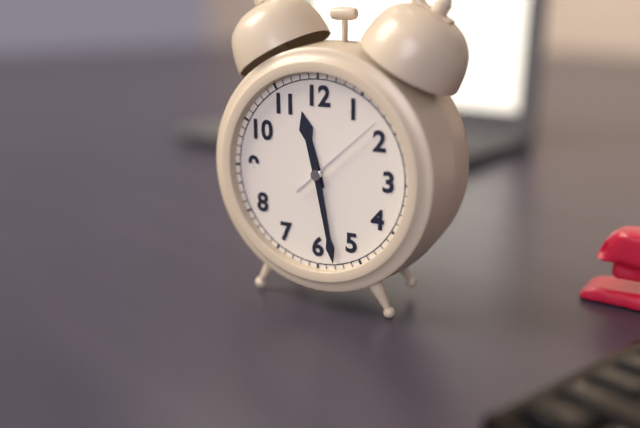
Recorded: h=11 m=28 s=8
